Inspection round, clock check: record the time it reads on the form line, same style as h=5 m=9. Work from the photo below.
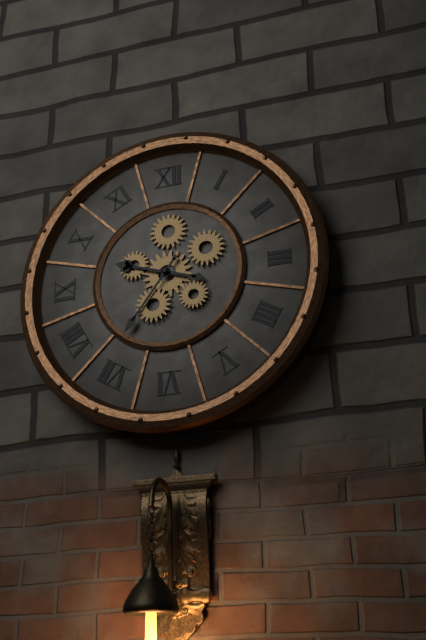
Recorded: h=9 m=36
